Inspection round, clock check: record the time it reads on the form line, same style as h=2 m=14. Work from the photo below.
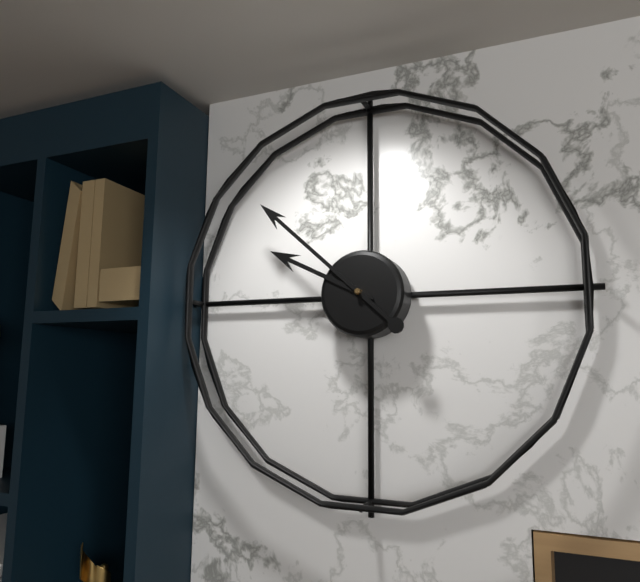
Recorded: h=9 m=52
